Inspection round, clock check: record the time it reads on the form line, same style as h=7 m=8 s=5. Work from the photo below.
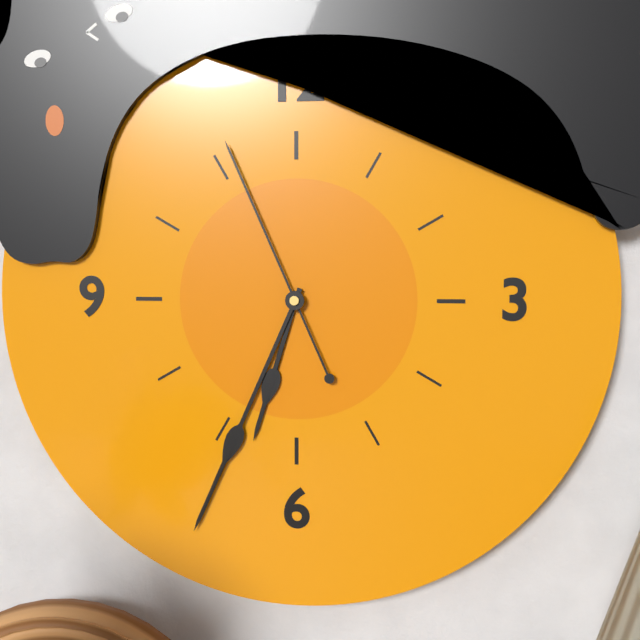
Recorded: h=6 m=34 s=56
